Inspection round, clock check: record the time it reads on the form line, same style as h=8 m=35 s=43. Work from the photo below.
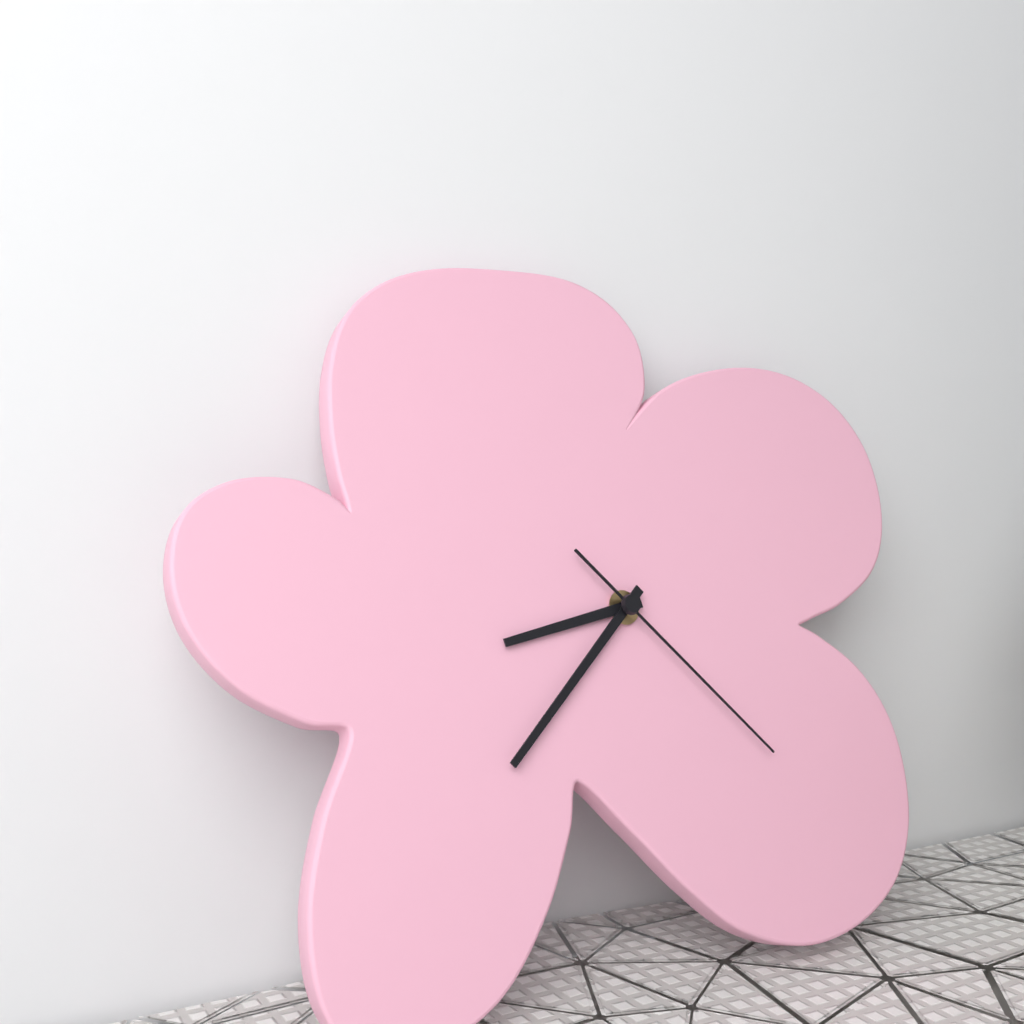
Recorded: h=8 m=38 s=23
